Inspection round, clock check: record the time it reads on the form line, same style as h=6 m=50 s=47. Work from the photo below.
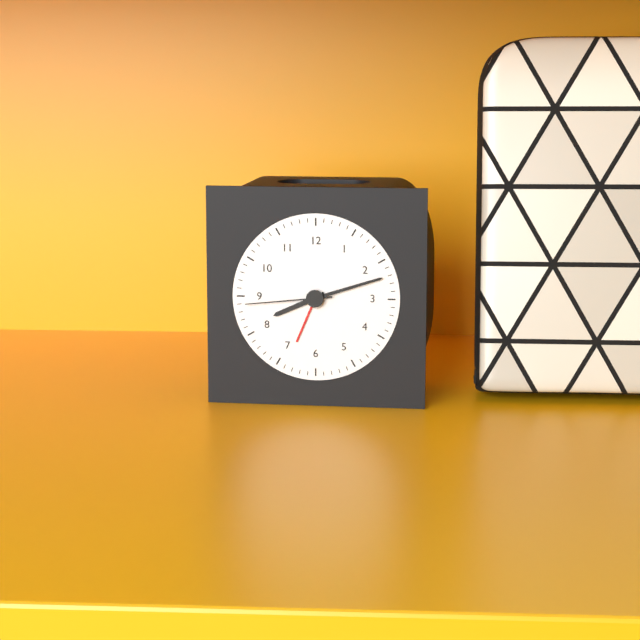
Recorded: h=8 m=12 s=44
